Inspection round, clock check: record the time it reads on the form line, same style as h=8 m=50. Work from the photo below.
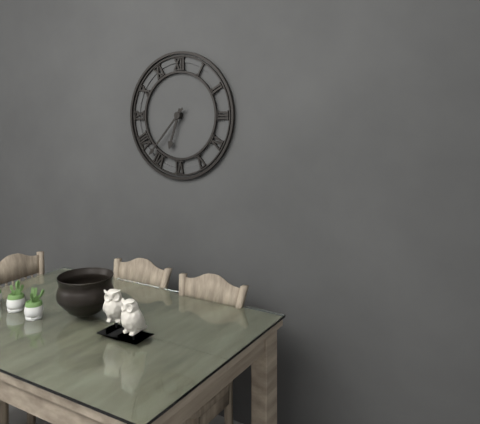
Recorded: h=6 m=37
